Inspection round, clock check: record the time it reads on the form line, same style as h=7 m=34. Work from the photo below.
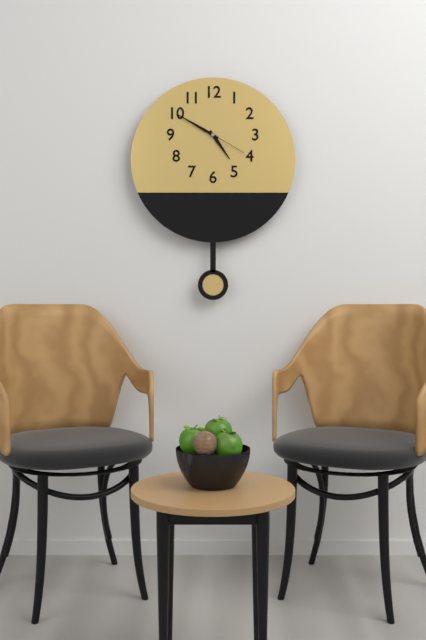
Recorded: h=4 m=50
